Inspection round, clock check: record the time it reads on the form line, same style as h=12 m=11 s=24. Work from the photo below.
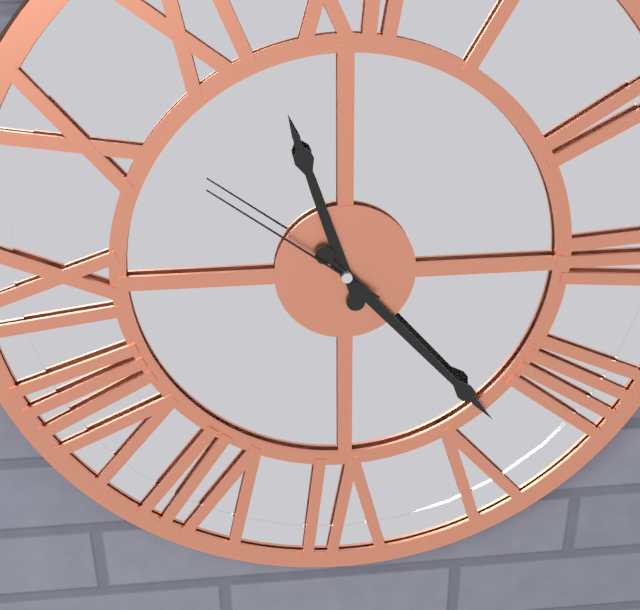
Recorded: h=11 m=23 s=51
